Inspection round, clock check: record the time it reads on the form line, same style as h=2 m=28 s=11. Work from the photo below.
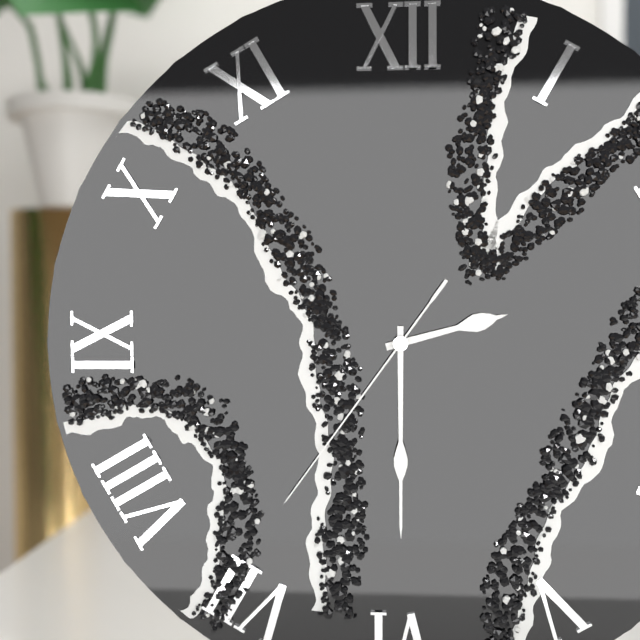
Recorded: h=2 m=30 s=36
